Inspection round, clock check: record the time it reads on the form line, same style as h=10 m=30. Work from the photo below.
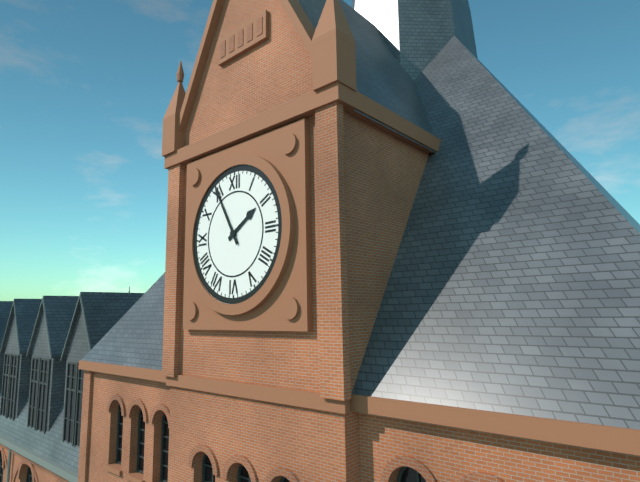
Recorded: h=1 m=55
